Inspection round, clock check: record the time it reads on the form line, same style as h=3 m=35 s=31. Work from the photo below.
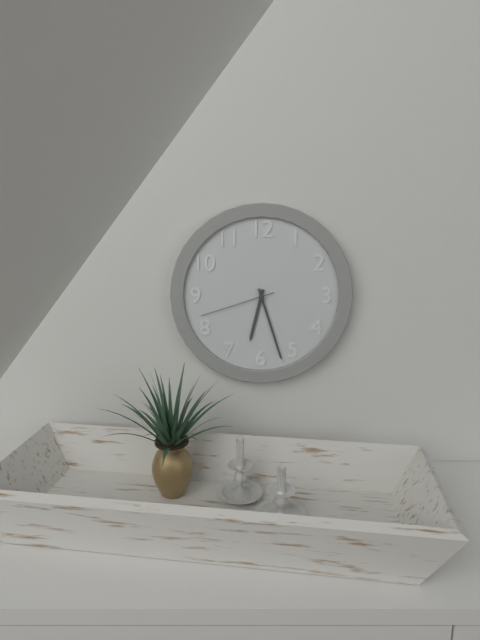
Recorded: h=6 m=27 s=42
